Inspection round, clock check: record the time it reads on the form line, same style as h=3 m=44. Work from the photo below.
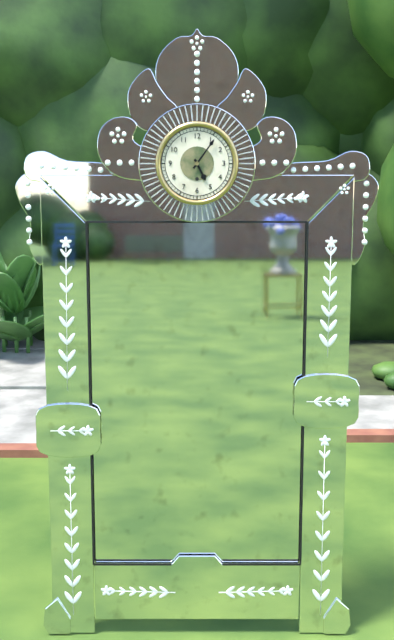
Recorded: h=5 m=6
